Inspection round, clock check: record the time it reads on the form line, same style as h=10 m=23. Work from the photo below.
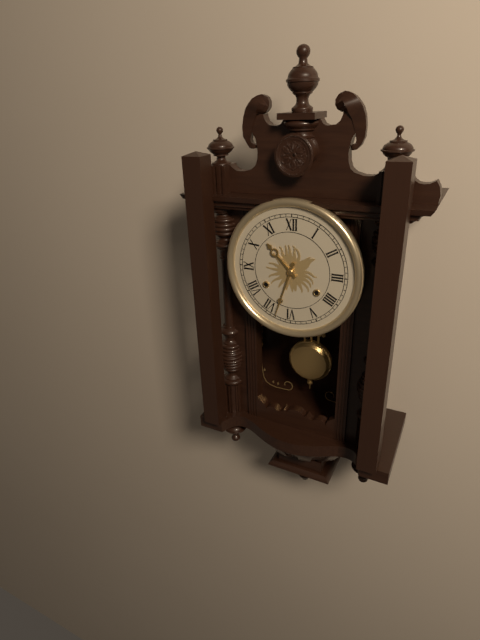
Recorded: h=10 m=33
